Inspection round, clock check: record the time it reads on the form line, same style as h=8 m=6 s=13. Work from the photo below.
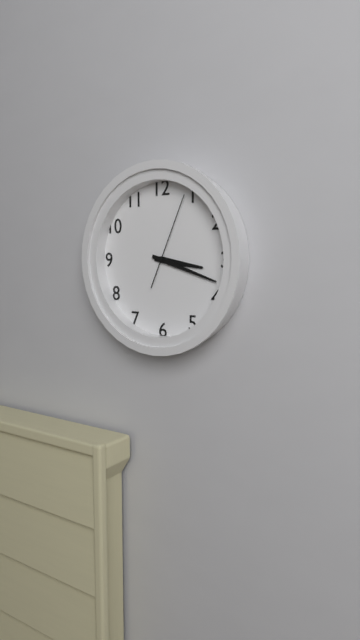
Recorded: h=3 m=18 s=4
